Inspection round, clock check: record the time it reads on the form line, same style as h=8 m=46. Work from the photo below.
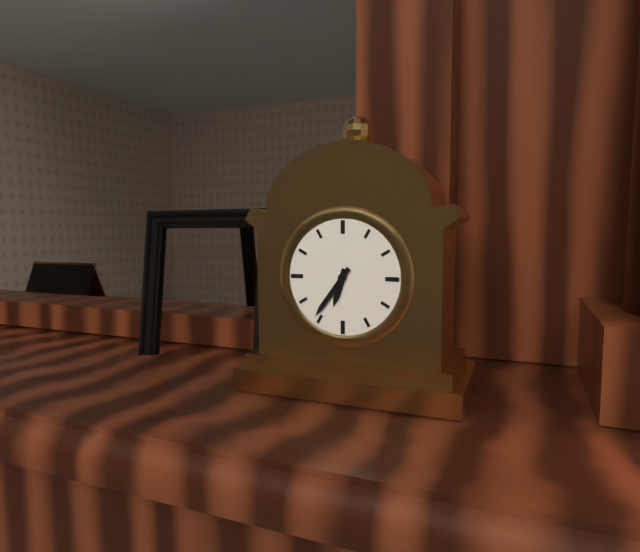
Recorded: h=6 m=36
